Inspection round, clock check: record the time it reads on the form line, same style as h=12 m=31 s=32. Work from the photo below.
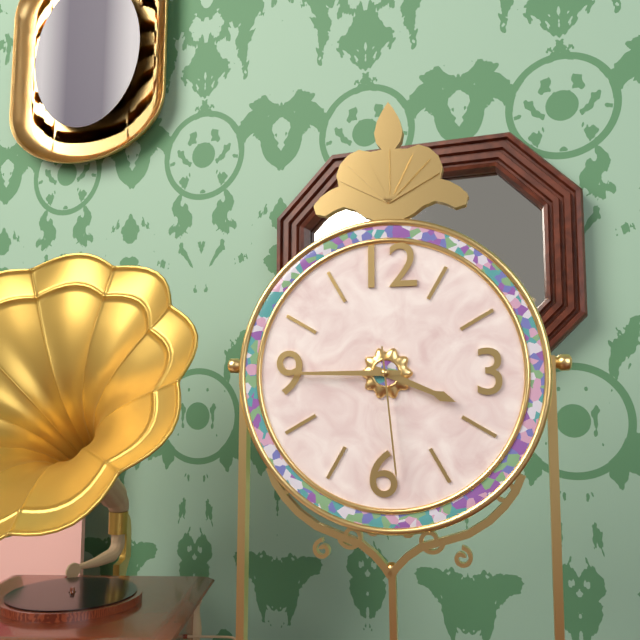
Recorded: h=3 m=45 s=29
